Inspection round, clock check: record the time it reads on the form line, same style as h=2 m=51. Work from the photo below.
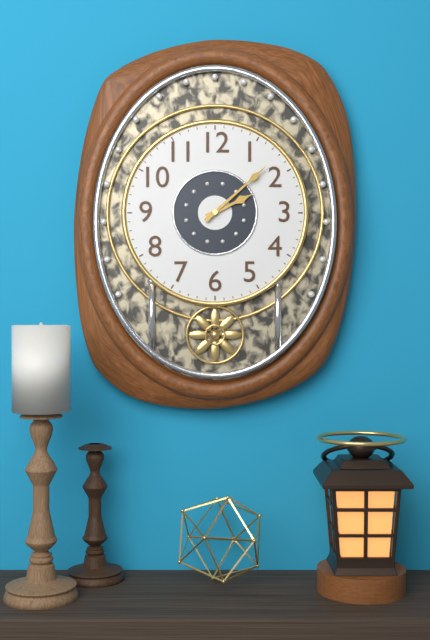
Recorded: h=2 m=8
